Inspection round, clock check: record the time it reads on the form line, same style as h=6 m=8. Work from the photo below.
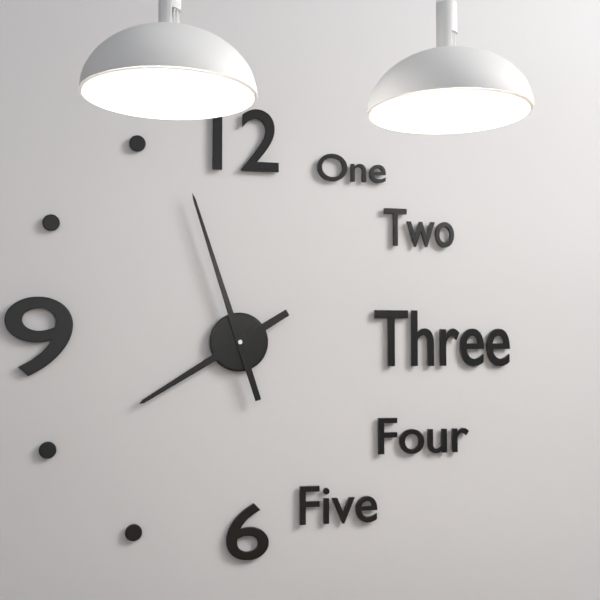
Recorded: h=7 m=57
